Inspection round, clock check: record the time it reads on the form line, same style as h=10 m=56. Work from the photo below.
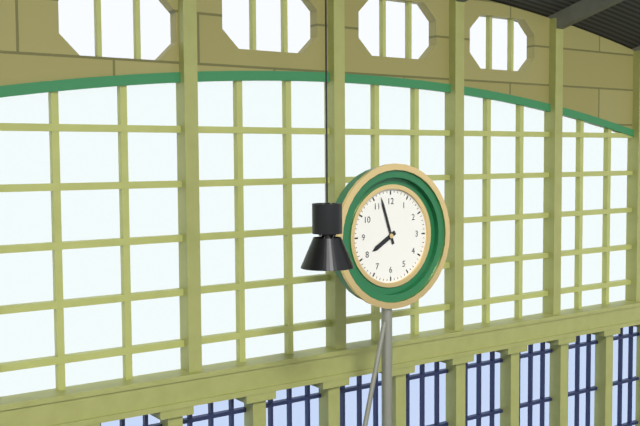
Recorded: h=7 m=57
